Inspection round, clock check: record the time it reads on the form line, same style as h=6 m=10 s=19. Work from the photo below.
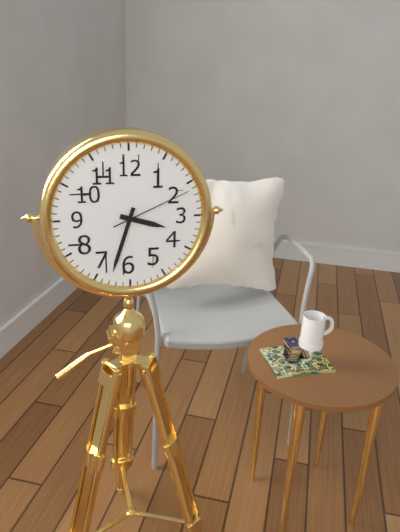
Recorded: h=3 m=33 s=11
